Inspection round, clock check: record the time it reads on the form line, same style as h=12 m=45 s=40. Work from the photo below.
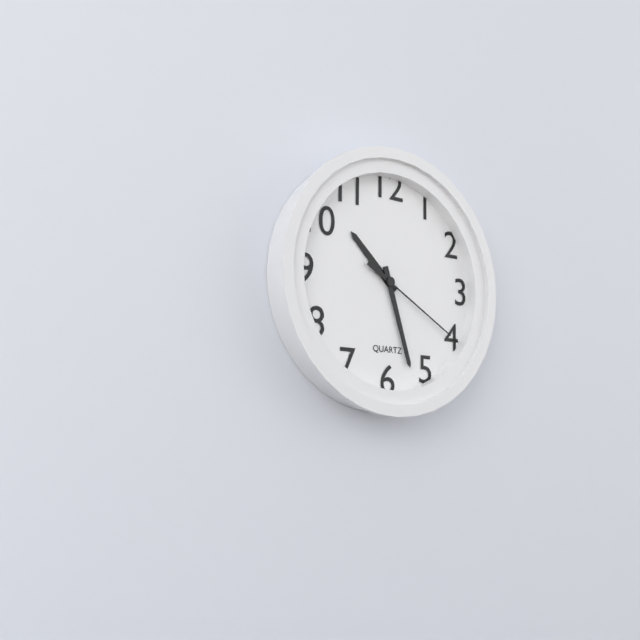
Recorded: h=10 m=27 s=20
